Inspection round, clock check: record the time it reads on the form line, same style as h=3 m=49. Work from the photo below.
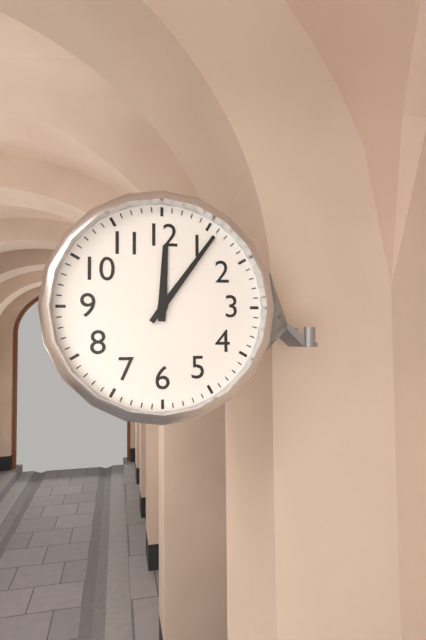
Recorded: h=12 m=6
